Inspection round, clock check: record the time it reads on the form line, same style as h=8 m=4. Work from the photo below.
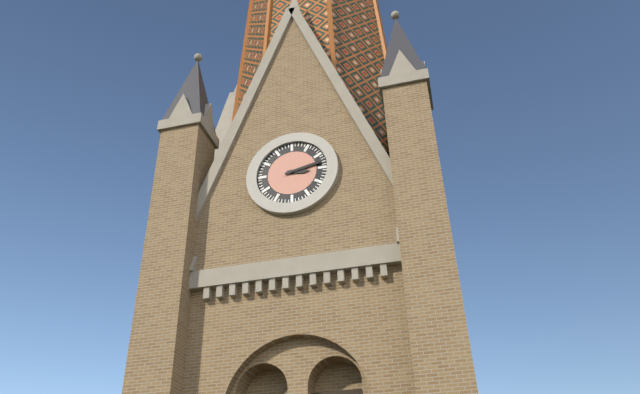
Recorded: h=3 m=13
